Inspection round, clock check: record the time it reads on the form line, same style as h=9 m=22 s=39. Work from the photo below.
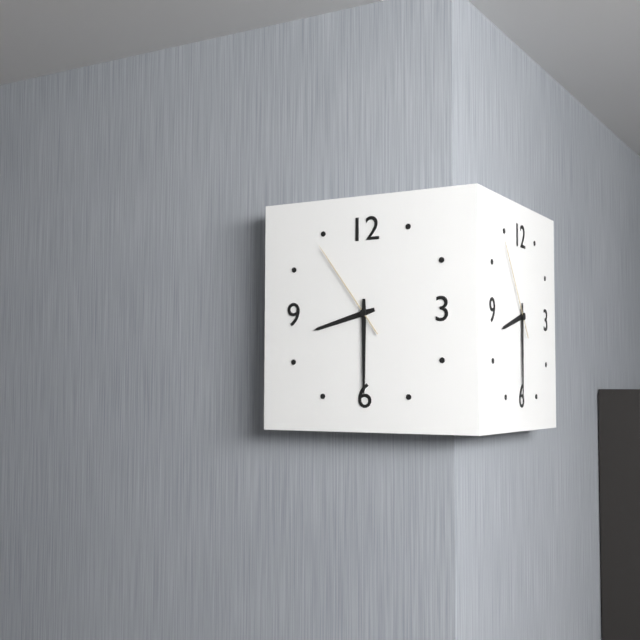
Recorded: h=8 m=30 s=54
